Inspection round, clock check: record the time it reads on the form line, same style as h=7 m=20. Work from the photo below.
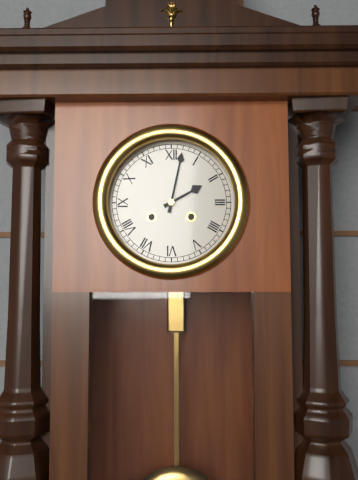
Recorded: h=2 m=2
